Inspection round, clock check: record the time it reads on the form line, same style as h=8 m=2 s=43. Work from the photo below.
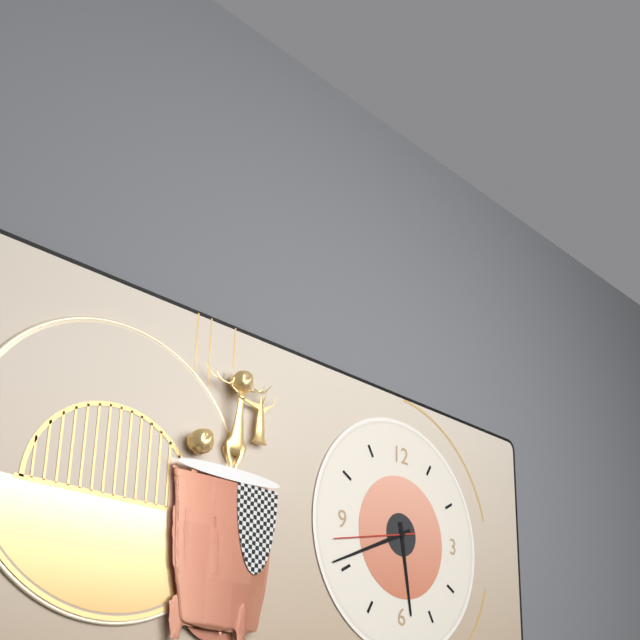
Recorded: h=5 m=41 s=43
